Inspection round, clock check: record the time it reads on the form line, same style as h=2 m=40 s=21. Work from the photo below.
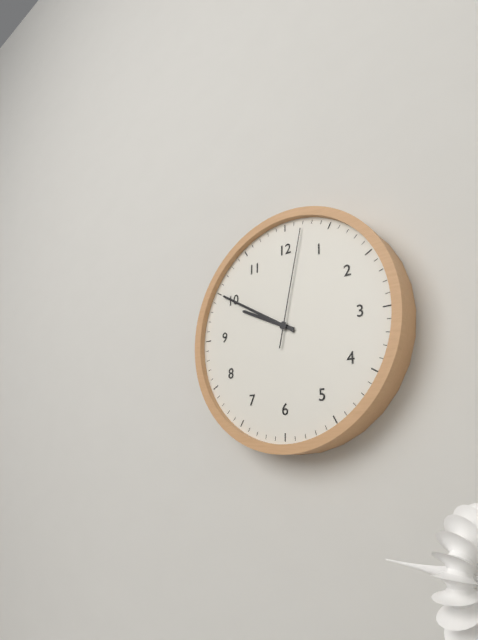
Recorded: h=9 m=50 s=2
